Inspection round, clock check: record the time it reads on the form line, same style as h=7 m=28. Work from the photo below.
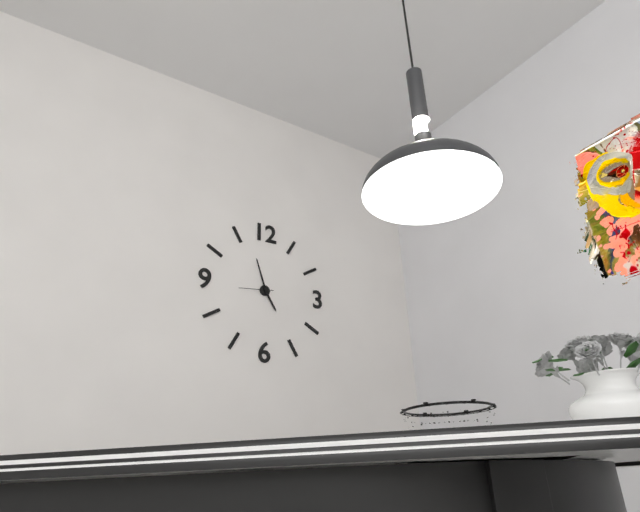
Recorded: h=4 m=57
